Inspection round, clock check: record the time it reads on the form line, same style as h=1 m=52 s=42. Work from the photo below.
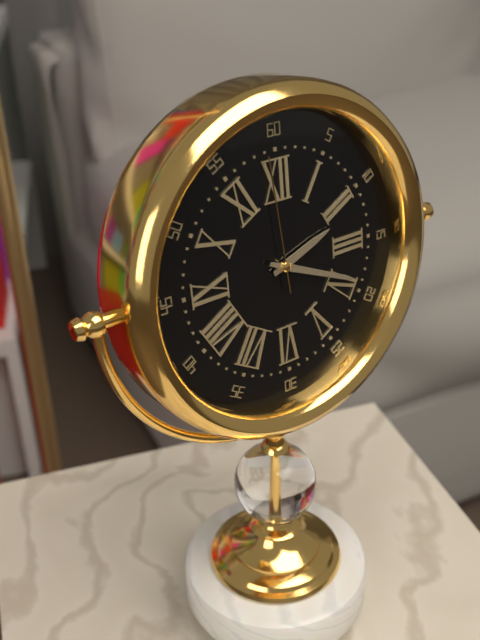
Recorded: h=2 m=19 s=59
